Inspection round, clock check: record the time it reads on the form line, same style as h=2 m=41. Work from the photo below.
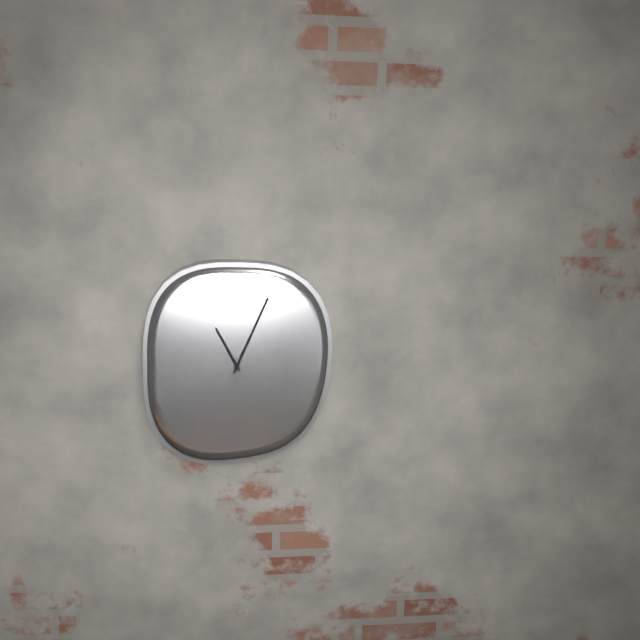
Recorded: h=11 m=4
